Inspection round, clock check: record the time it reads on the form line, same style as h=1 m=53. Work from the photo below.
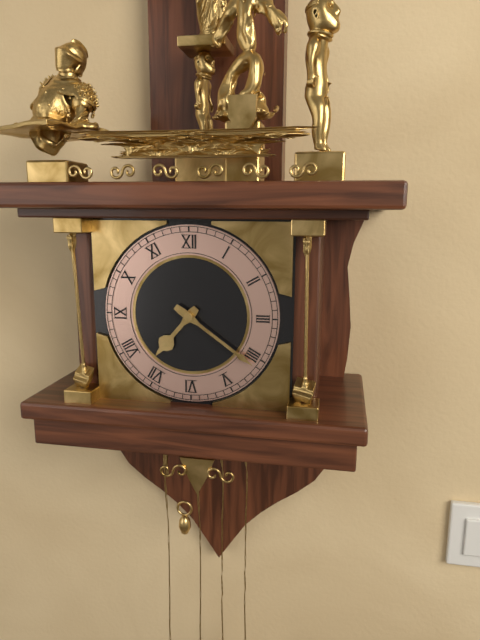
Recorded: h=7 m=21
